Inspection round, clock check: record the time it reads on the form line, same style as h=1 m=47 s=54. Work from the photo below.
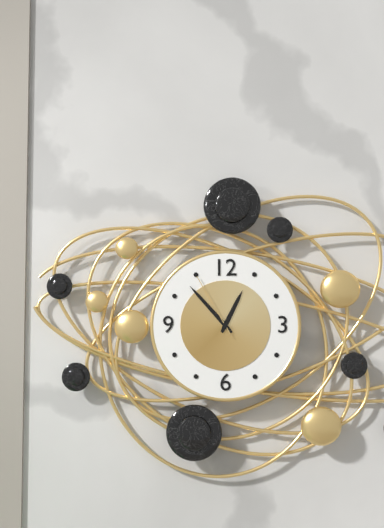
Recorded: h=12 m=53 s=55
